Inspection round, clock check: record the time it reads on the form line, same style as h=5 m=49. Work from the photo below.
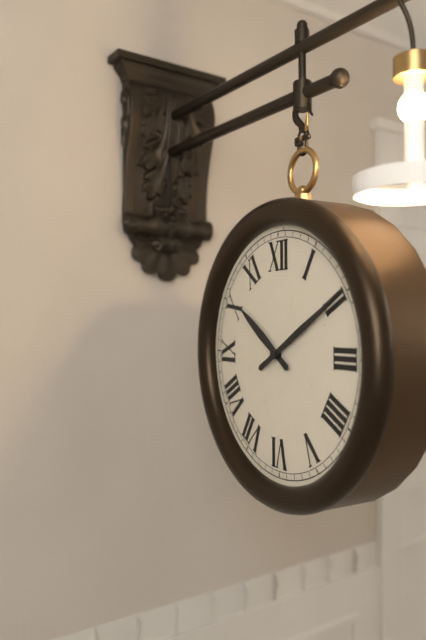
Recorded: h=10 m=10
